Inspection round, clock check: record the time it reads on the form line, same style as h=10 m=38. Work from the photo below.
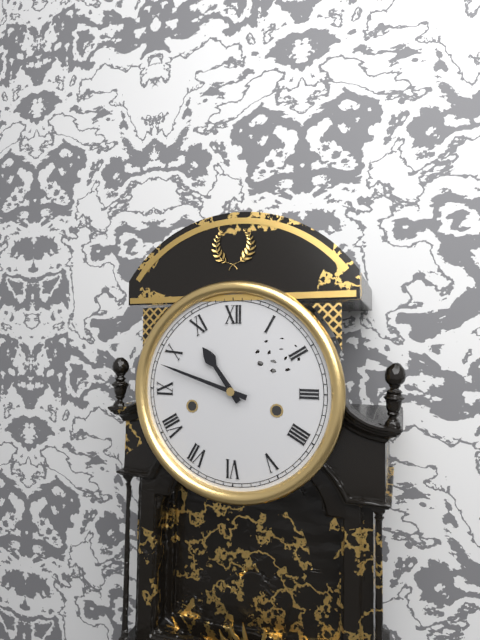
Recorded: h=10 m=48
